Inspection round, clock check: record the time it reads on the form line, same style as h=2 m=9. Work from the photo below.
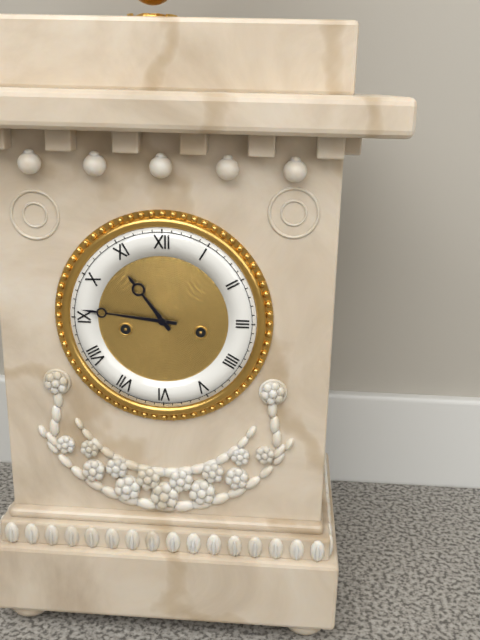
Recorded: h=10 m=46
